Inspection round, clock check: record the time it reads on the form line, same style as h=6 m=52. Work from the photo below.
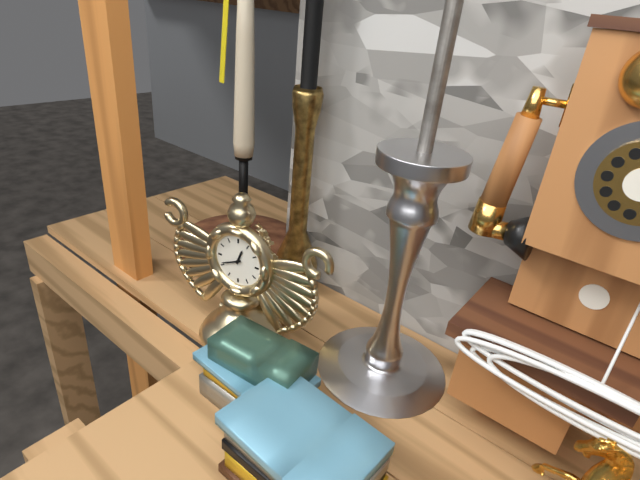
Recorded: h=12 m=41
